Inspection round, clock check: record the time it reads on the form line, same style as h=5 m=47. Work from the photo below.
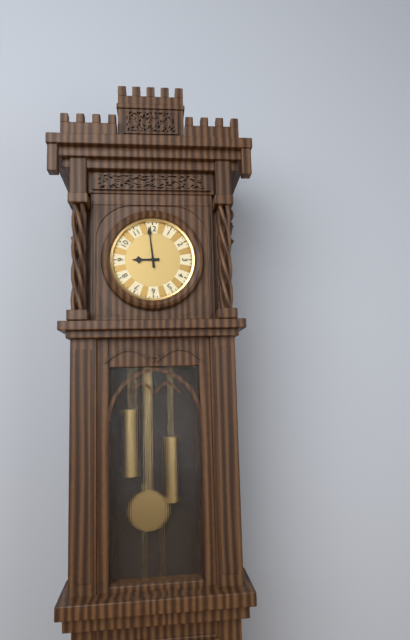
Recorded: h=8 m=59
